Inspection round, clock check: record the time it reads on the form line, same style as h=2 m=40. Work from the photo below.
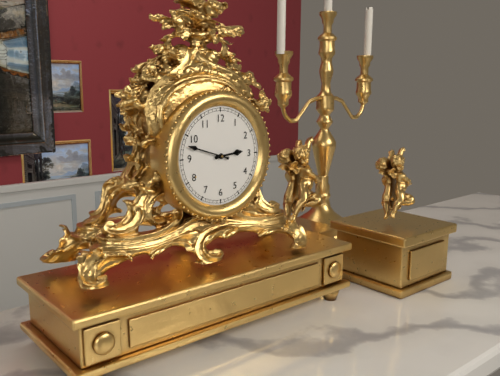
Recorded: h=2 m=48
